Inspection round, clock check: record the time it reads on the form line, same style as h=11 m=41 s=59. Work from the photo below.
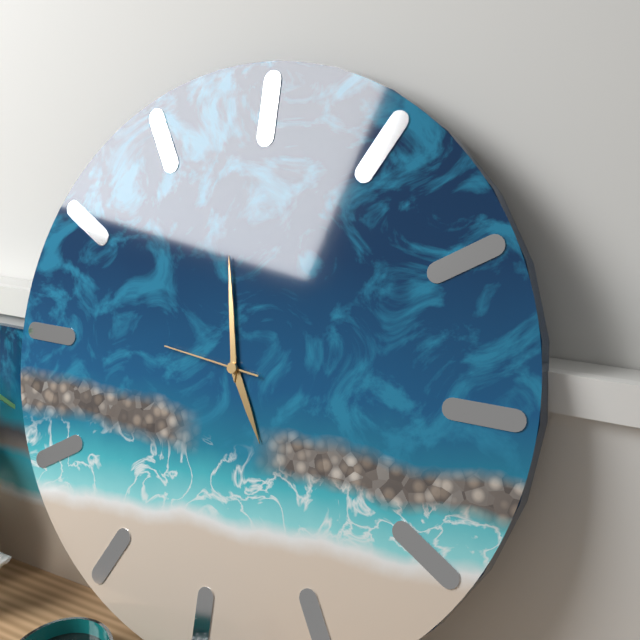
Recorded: h=4 m=58 s=46
